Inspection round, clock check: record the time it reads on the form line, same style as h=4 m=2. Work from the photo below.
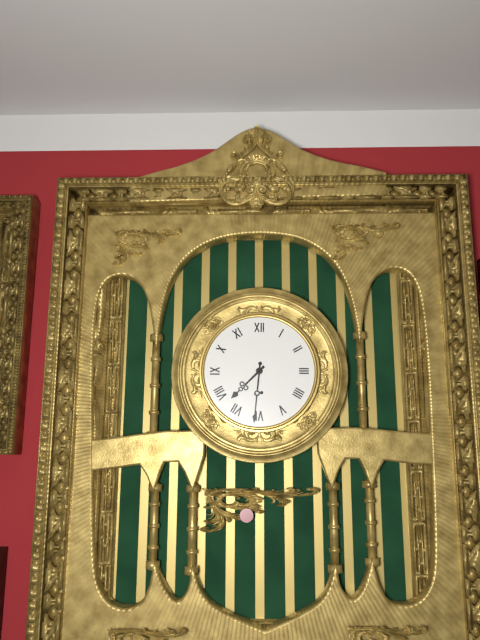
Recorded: h=7 m=31
